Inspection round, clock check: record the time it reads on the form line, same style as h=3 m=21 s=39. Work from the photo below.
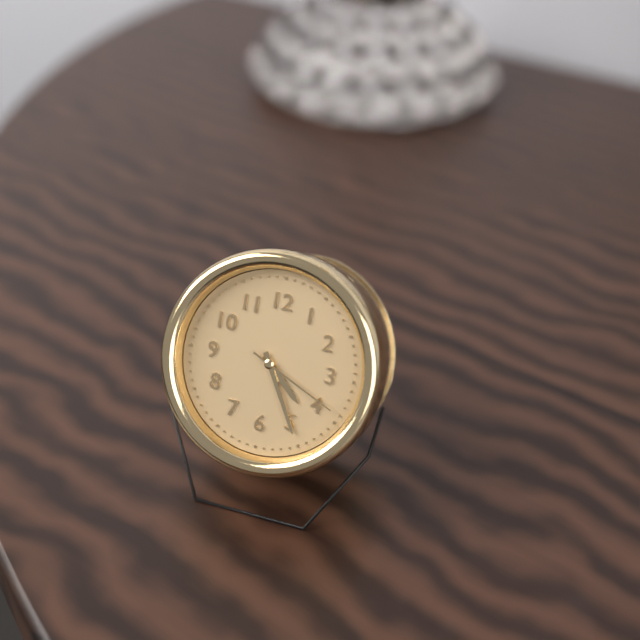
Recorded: h=4 m=25 s=19
